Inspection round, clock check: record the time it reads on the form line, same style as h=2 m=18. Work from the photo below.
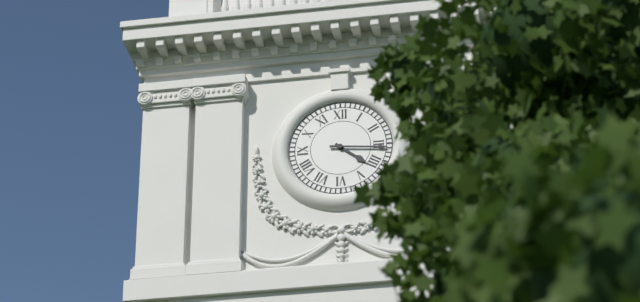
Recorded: h=4 m=16
